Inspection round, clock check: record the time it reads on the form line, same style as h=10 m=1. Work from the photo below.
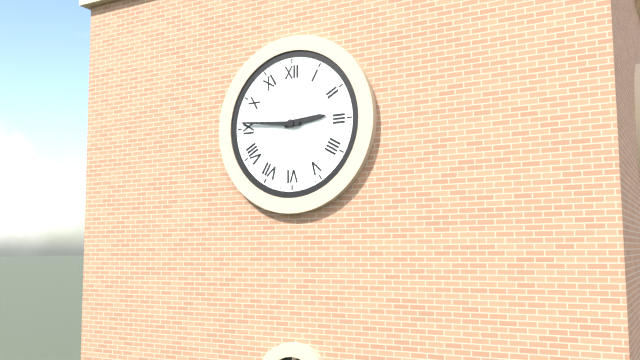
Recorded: h=2 m=46
